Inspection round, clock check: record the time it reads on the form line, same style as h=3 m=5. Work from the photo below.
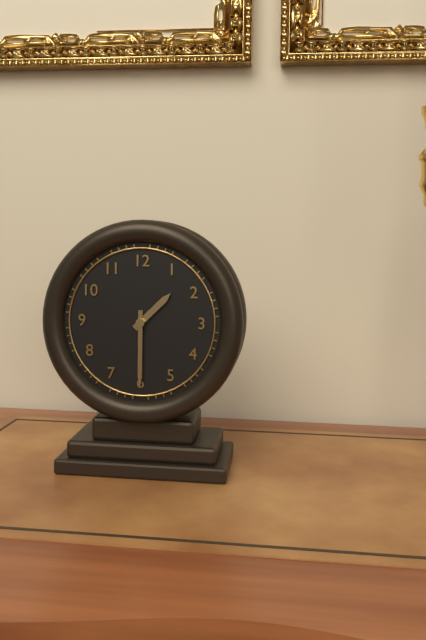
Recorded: h=1 m=30
